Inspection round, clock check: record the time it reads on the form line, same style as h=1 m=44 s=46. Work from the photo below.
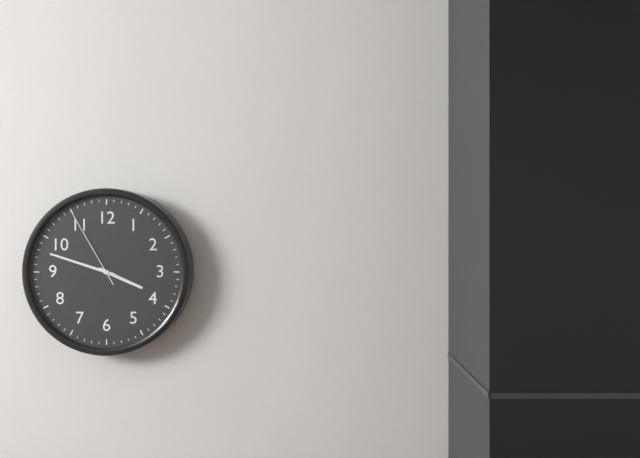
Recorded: h=3 m=48 s=55
